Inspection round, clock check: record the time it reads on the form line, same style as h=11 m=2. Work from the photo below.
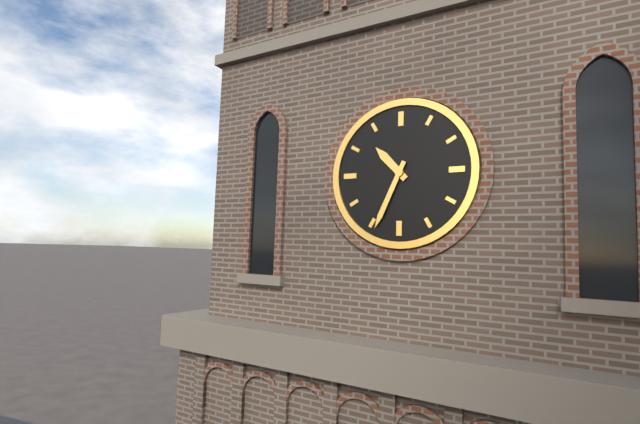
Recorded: h=10 m=34
